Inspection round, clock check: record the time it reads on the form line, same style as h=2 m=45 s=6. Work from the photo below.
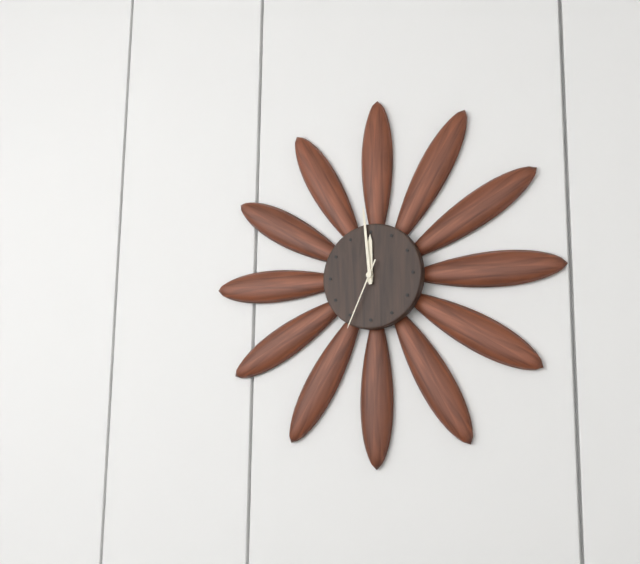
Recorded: h=11 m=59 s=34
